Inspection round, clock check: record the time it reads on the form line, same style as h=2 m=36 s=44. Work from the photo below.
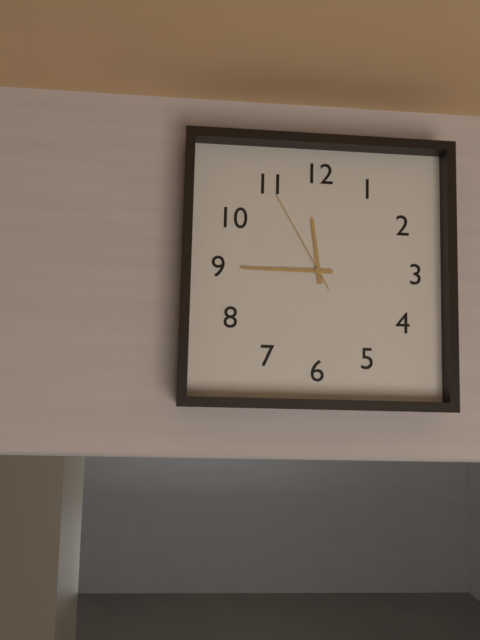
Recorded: h=11 m=45 s=55
